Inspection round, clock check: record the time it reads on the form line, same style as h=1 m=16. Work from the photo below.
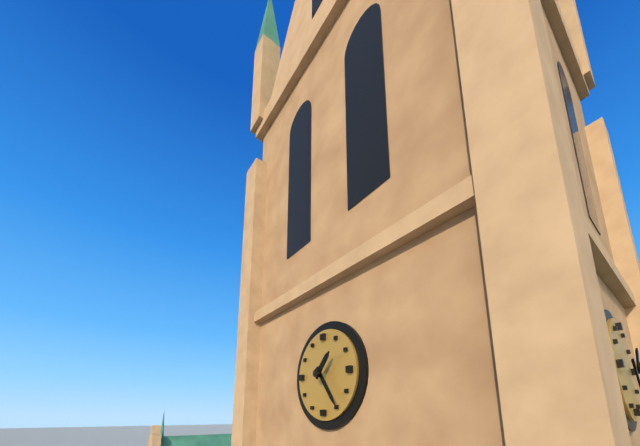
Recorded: h=1 m=24
